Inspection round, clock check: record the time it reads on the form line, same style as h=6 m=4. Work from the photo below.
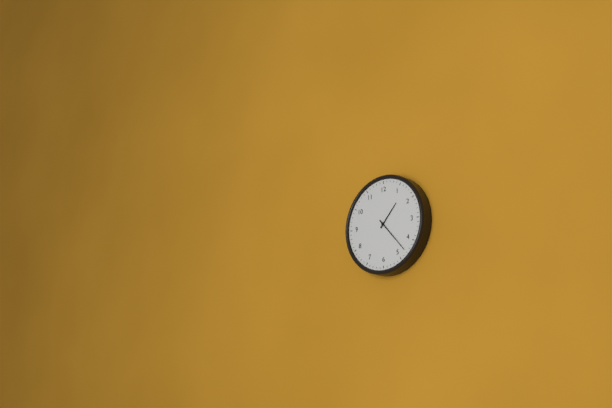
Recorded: h=1 m=23
